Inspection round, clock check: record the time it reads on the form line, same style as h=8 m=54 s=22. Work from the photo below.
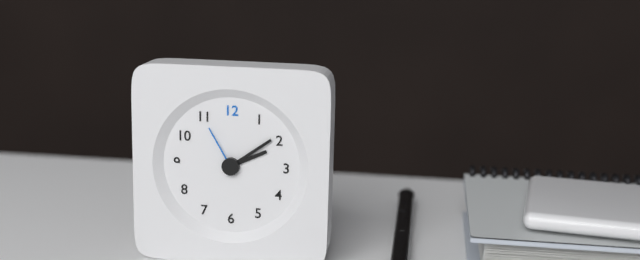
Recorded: h=2 m=9 s=55
